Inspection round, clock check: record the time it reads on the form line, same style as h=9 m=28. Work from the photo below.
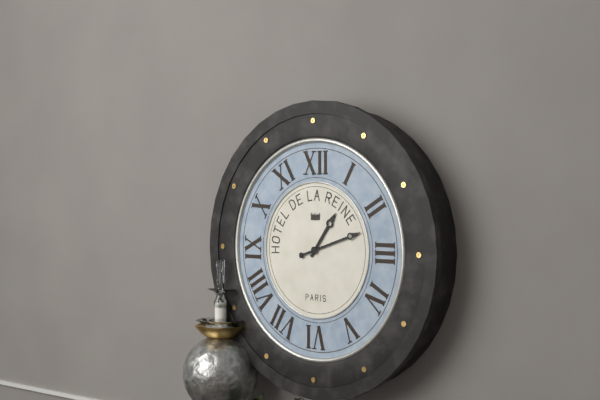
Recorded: h=1 m=12
